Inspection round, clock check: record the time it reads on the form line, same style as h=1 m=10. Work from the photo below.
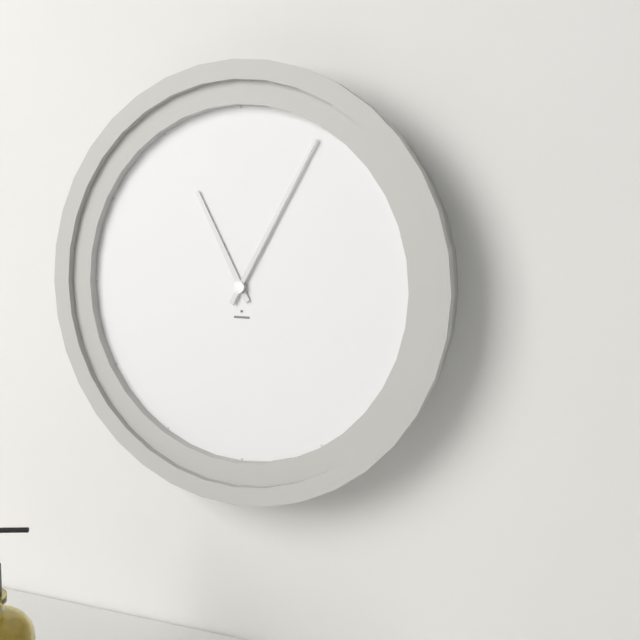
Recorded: h=11 m=5
